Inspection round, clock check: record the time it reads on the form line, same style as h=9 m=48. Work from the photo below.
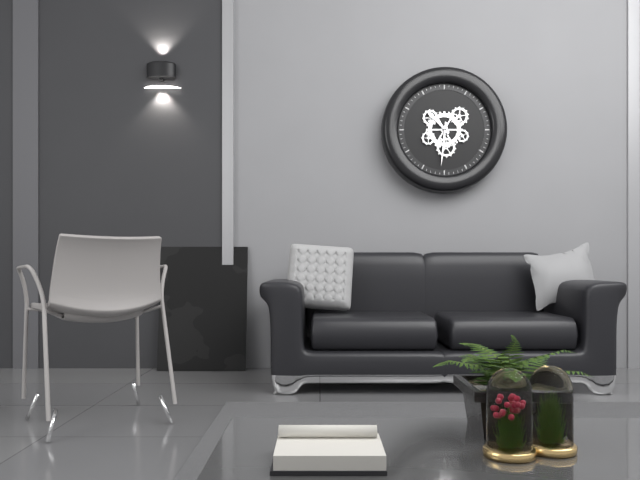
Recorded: h=10 m=31
